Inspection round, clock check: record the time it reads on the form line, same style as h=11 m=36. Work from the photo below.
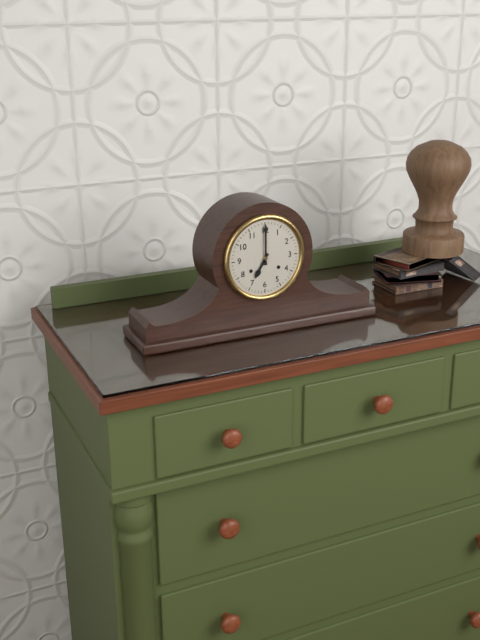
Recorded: h=7 m=0
